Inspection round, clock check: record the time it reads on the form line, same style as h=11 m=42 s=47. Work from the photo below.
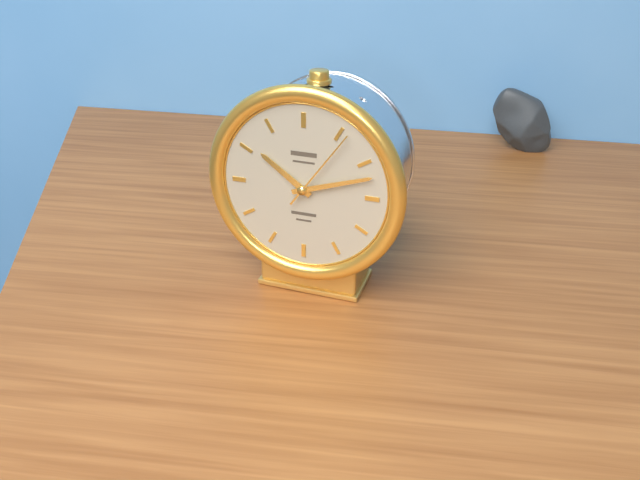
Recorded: h=10 m=12 s=6
